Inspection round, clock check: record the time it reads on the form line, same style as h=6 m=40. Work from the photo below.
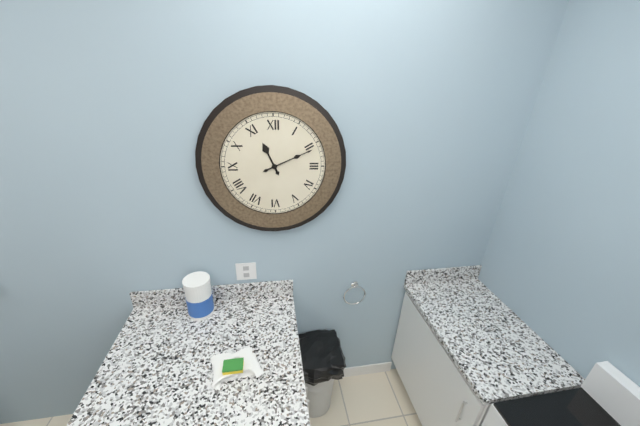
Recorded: h=11 m=11
